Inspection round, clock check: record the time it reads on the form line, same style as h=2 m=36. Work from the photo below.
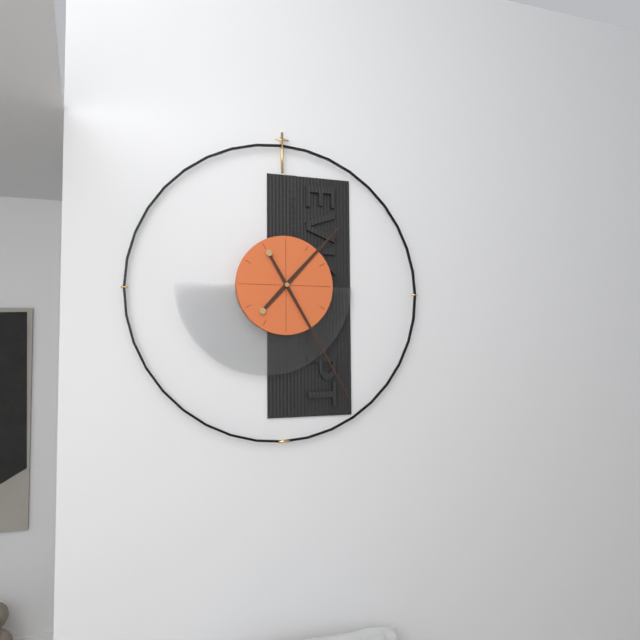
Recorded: h=1 m=25
